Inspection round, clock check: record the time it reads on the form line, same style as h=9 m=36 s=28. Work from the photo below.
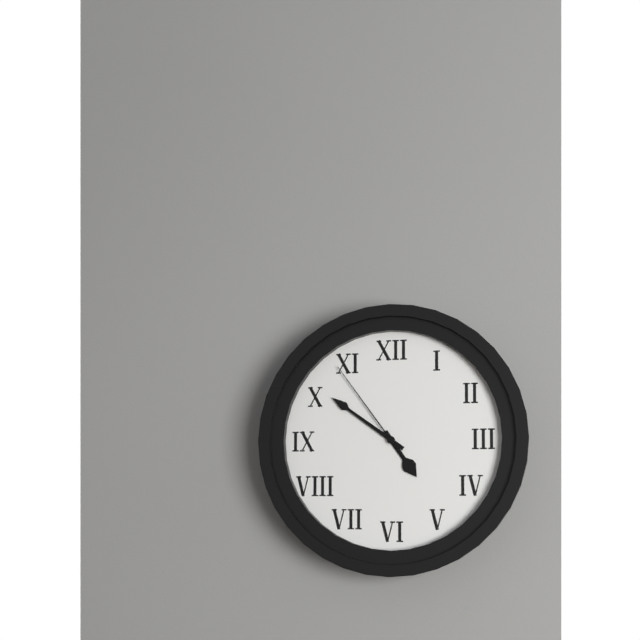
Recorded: h=4 m=51 s=54
